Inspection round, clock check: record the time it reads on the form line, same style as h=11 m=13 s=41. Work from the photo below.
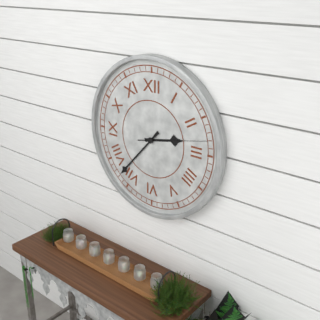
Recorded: h=2 m=37 s=13
